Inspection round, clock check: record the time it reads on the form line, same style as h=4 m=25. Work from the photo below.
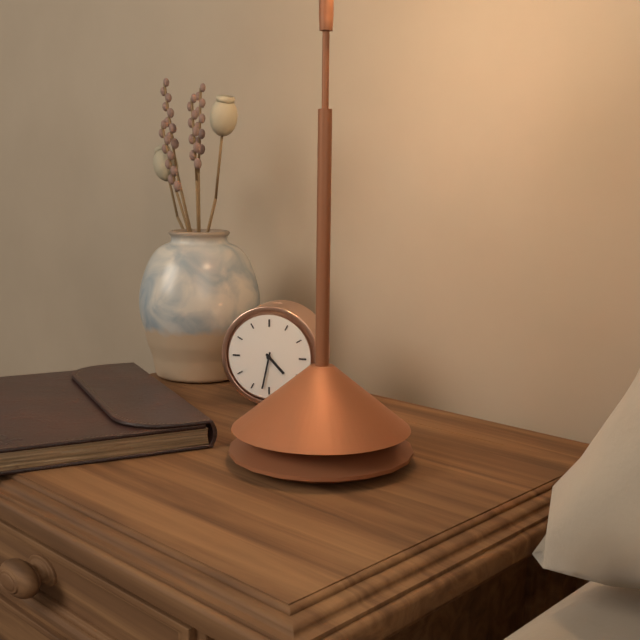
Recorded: h=4 m=32
